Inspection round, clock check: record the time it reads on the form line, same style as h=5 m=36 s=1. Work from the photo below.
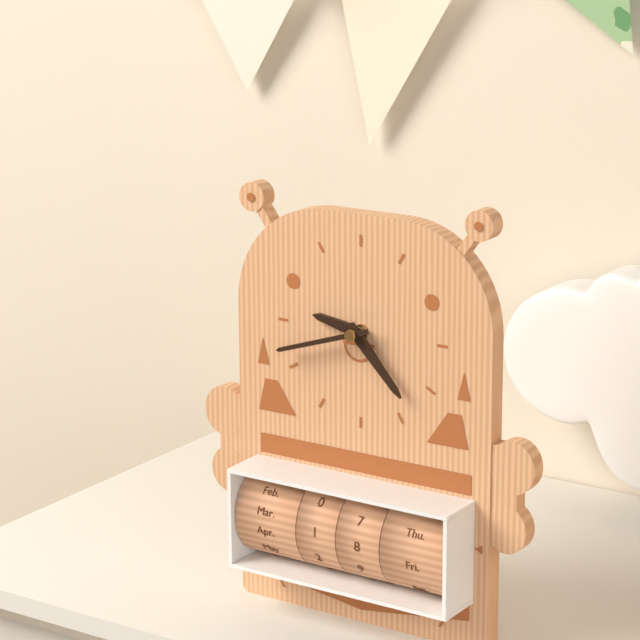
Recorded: h=9 m=23 s=42
